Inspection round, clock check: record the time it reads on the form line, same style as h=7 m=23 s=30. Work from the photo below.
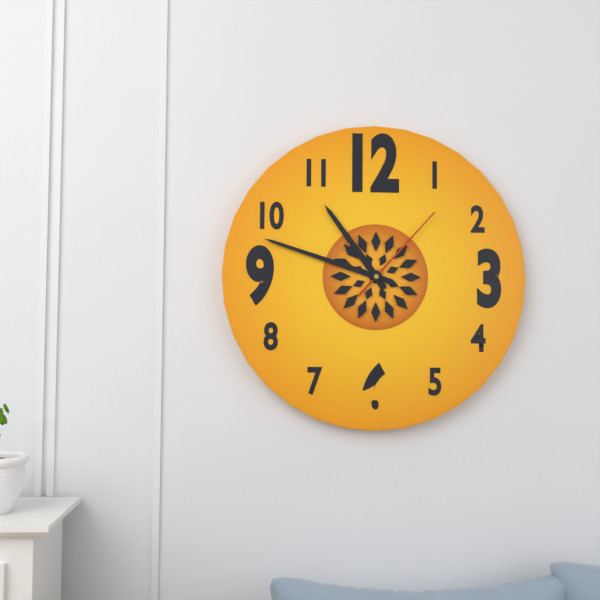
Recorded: h=10 m=48 s=7
